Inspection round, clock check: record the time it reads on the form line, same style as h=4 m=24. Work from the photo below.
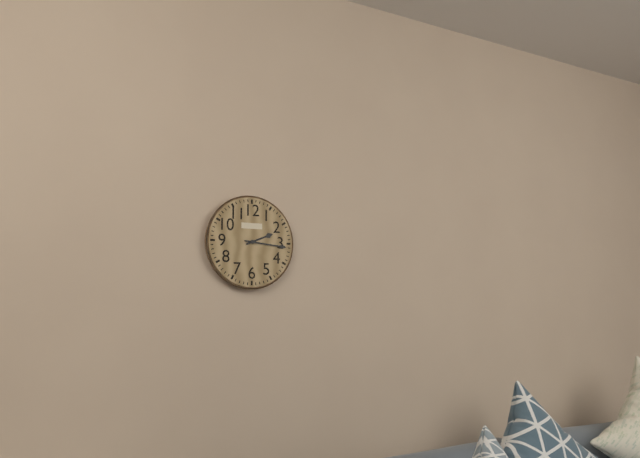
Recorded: h=2 m=16
